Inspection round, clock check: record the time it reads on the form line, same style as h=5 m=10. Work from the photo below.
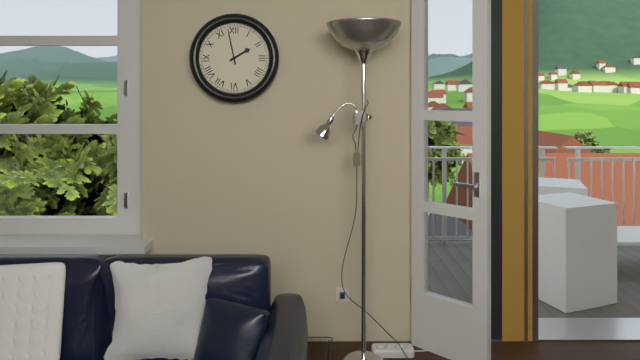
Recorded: h=1 m=58
